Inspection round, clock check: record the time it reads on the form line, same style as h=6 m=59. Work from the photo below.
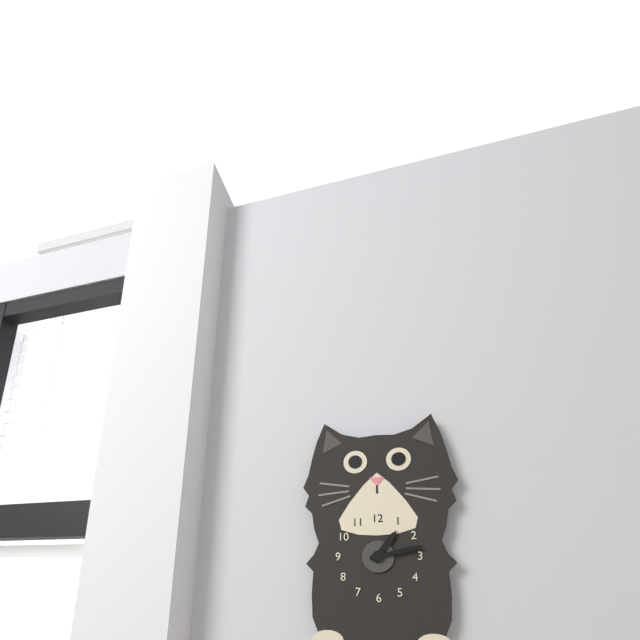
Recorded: h=1 m=13
